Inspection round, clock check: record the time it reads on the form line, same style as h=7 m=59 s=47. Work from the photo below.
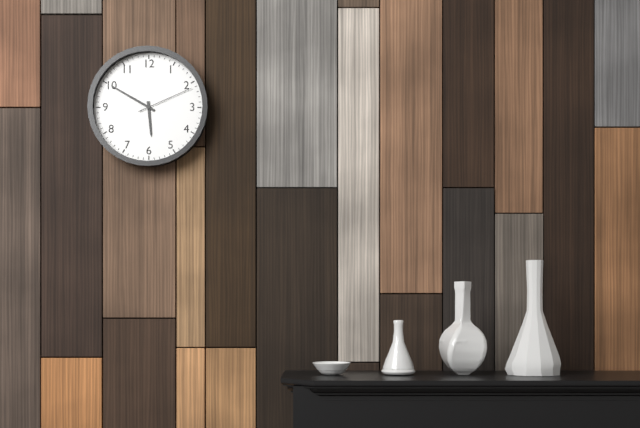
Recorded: h=5 m=50 s=11
